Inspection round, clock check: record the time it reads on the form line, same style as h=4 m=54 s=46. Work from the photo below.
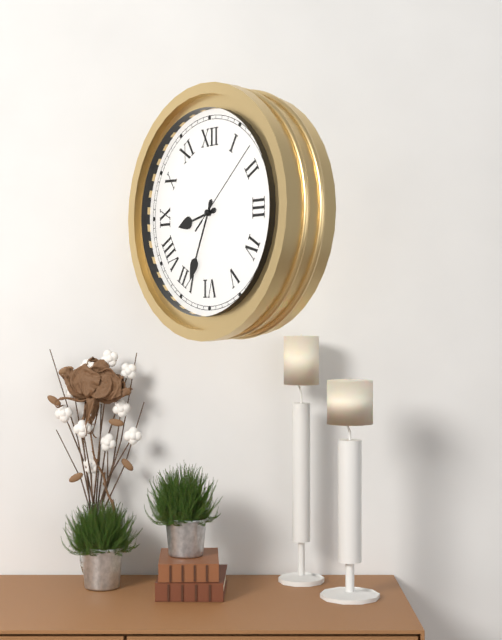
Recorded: h=8 m=34 s=8
